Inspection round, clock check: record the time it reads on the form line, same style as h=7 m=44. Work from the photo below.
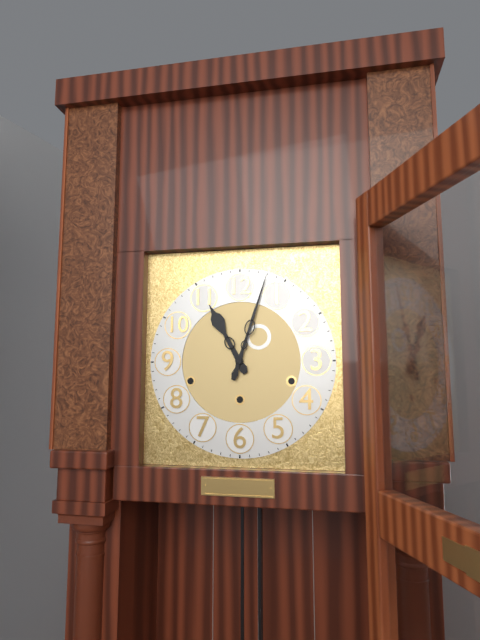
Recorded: h=11 m=3
